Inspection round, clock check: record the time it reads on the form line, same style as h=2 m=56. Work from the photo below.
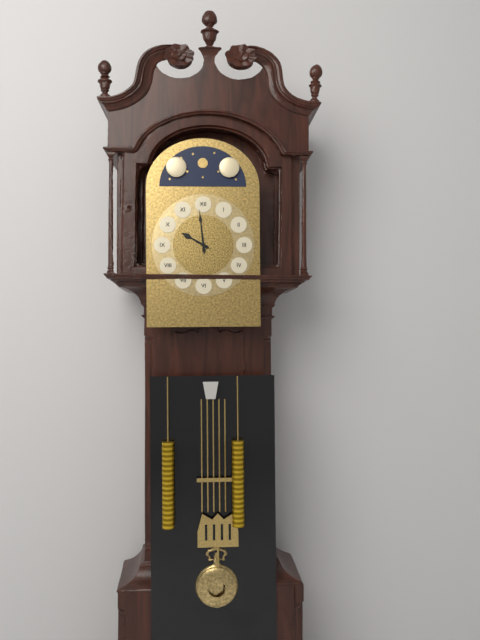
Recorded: h=9 m=59
